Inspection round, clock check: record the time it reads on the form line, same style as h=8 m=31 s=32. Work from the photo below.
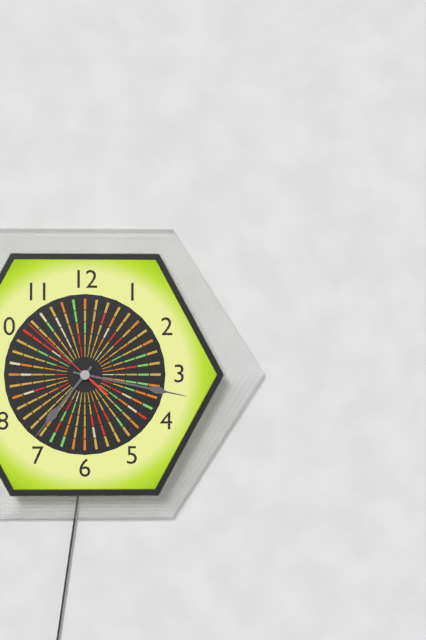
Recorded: h=7 m=17 s=52
